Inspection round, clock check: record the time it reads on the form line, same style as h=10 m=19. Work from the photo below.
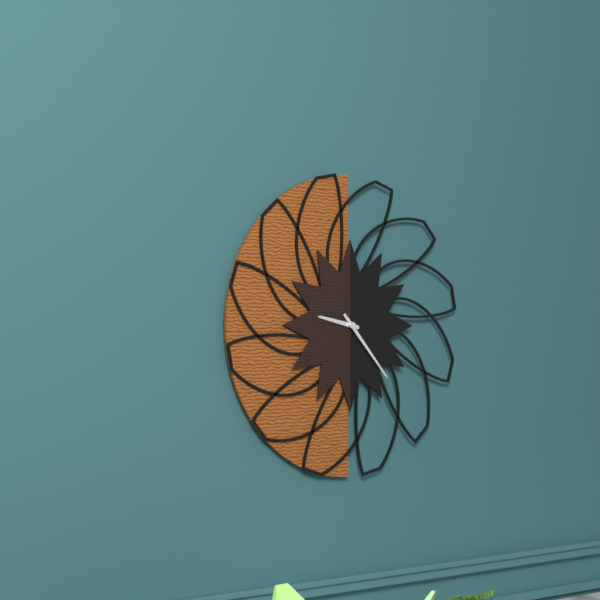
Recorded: h=9 m=23
